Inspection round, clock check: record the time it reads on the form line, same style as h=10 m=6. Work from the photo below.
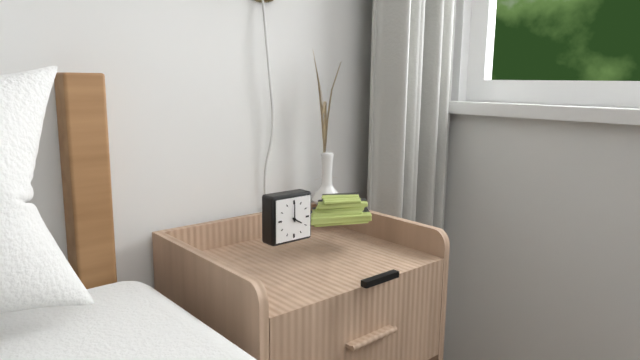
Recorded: h=4 m=0
